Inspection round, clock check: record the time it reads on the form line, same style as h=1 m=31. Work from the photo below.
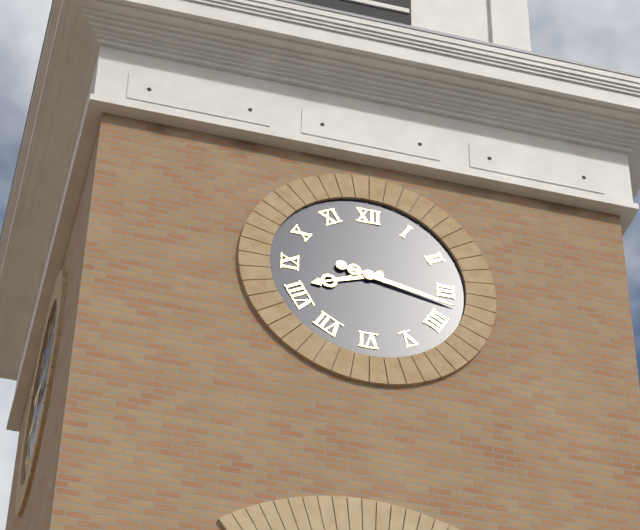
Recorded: h=8 m=17
